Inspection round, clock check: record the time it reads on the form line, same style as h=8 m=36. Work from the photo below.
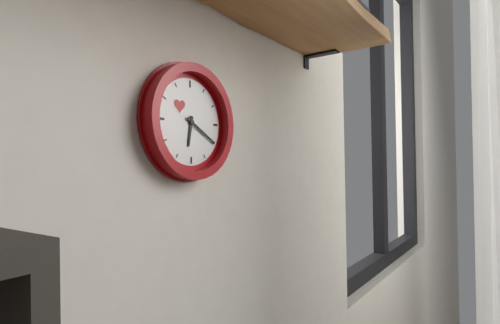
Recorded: h=6 m=20
